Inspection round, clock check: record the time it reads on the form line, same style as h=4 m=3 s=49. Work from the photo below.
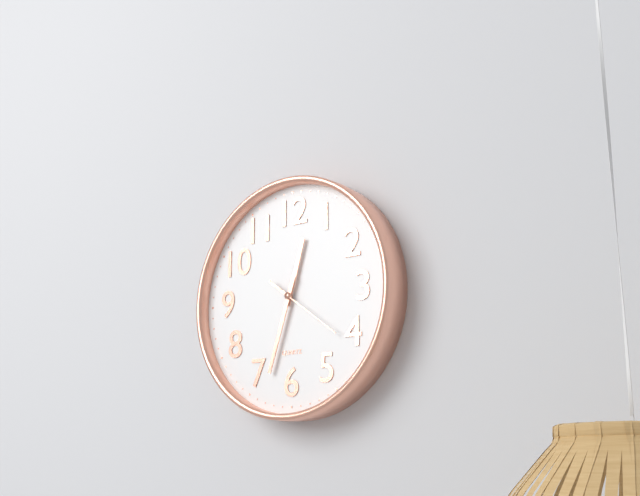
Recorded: h=12 m=33 s=21
